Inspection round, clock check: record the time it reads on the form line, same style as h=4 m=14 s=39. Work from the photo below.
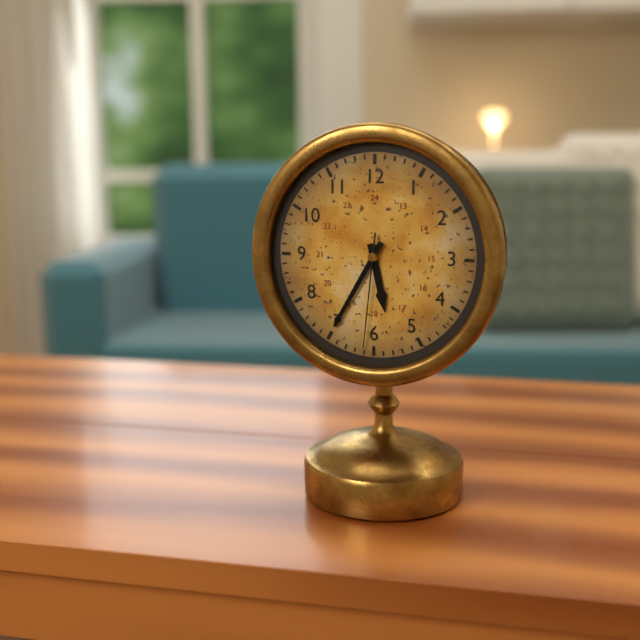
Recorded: h=5 m=35 s=31
